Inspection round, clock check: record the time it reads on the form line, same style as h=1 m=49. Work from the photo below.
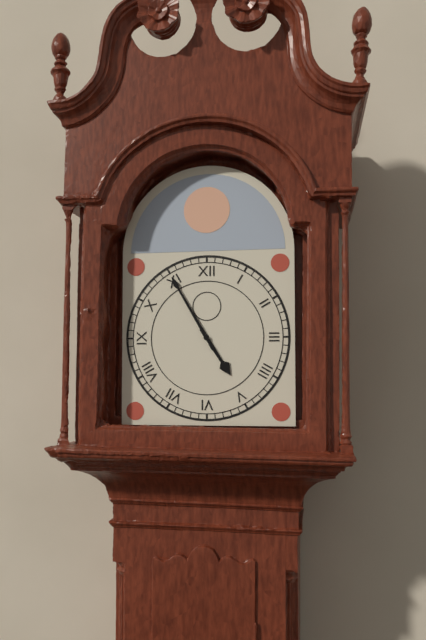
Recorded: h=4 m=55
